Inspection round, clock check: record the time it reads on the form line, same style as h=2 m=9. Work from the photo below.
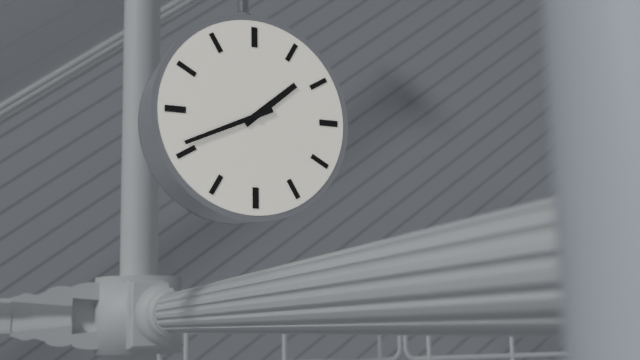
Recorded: h=1 m=41
